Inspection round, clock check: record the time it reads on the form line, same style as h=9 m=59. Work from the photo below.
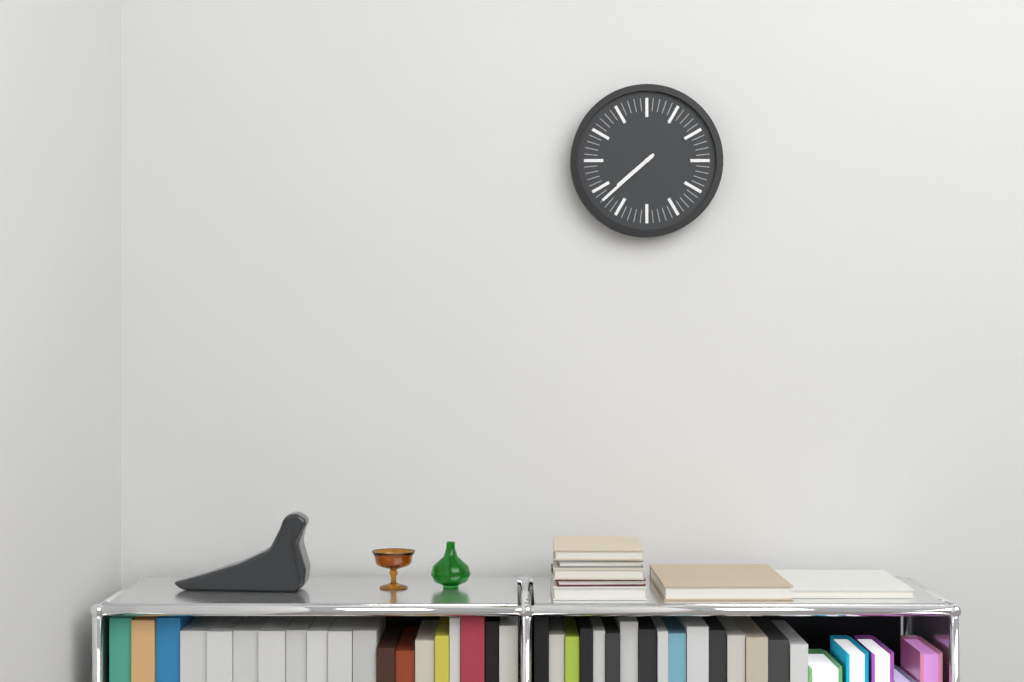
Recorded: h=7 m=38
